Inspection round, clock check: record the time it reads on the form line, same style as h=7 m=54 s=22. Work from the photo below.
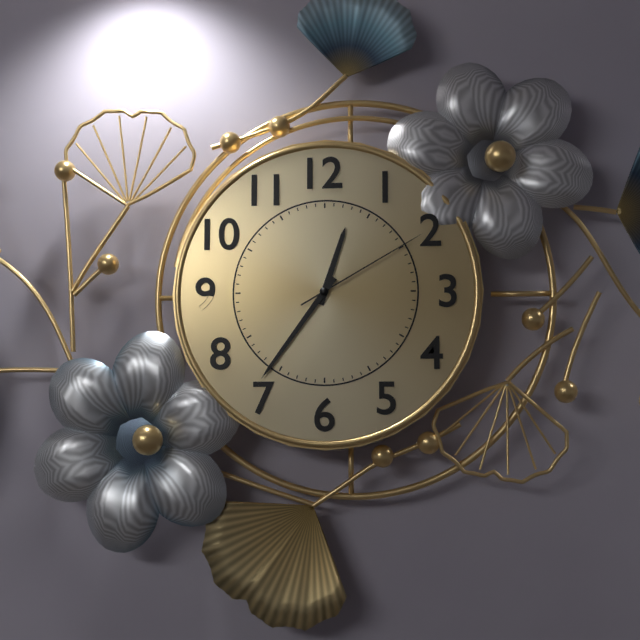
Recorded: h=12 m=36 s=10
